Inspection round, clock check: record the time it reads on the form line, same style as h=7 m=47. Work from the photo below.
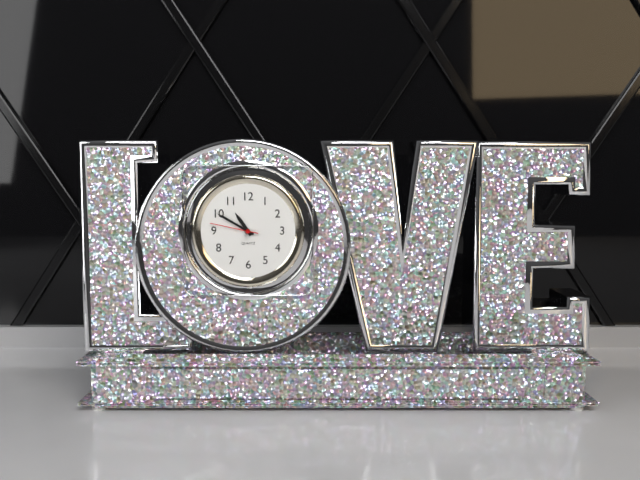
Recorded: h=10 m=50
